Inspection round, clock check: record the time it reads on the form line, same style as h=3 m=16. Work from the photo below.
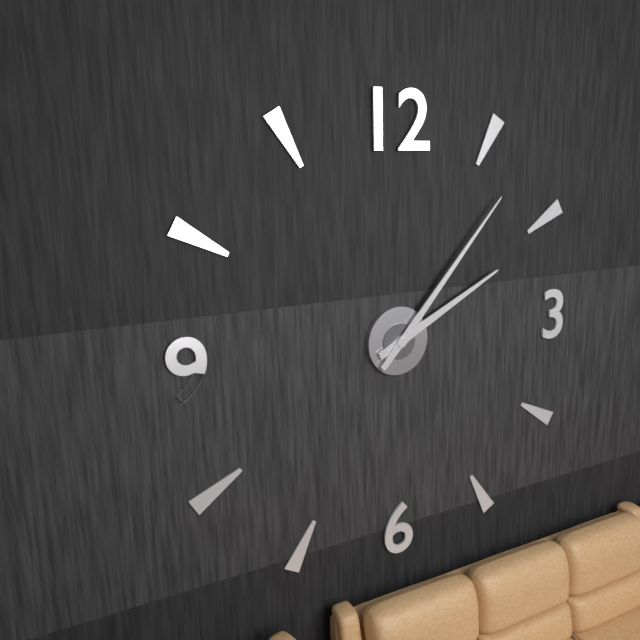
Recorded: h=2 m=7
